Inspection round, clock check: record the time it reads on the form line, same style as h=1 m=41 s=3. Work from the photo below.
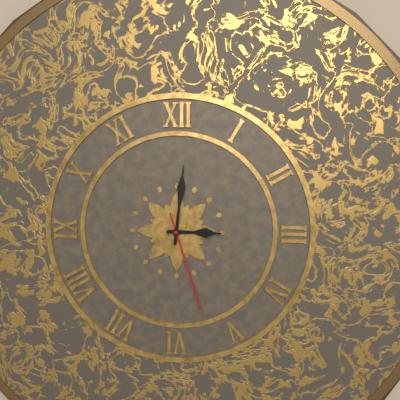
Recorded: h=3 m=1 s=27
